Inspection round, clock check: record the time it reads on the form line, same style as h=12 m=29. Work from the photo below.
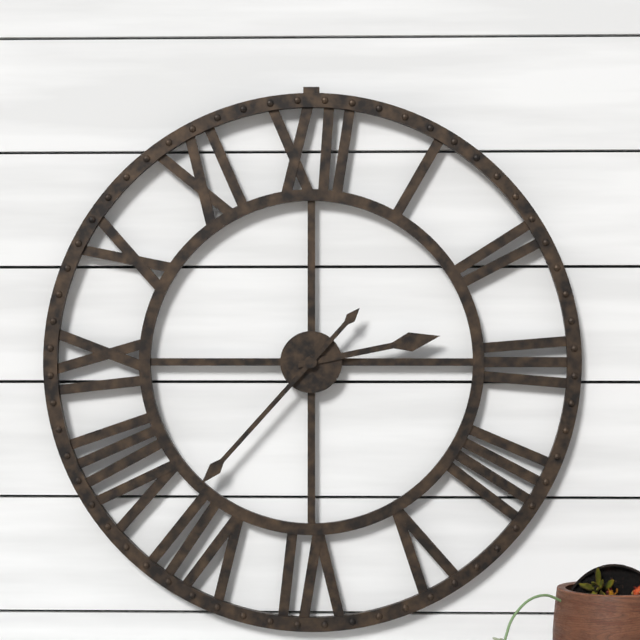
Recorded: h=2 m=37
